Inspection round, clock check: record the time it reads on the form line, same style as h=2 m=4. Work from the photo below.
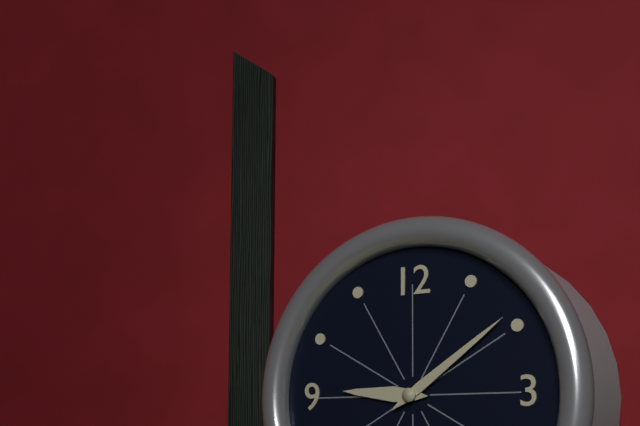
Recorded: h=9 m=9
